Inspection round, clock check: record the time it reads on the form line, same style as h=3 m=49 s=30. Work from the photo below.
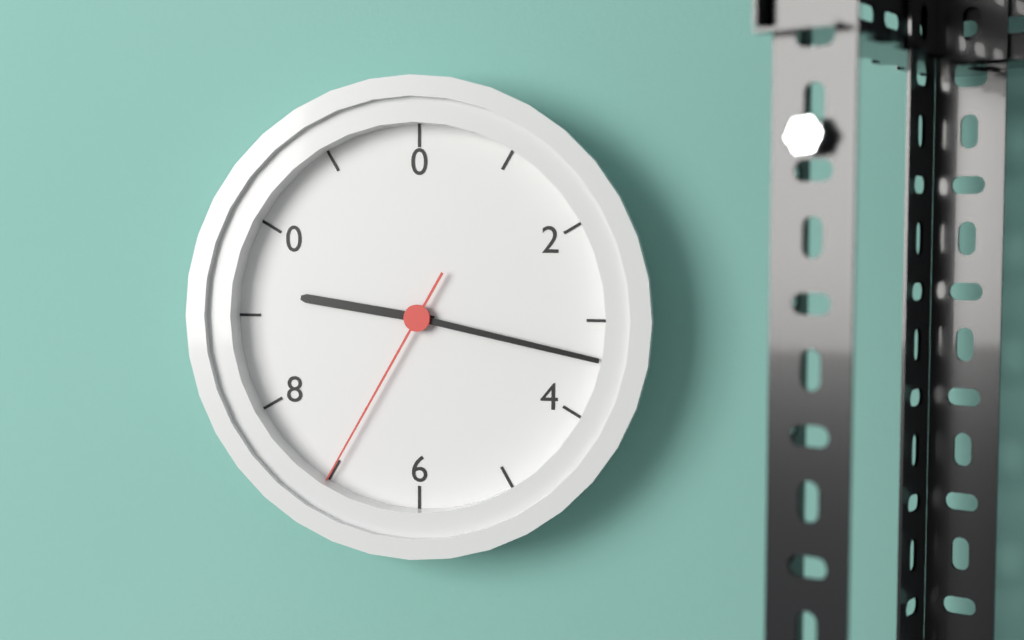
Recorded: h=9 m=17 s=35
